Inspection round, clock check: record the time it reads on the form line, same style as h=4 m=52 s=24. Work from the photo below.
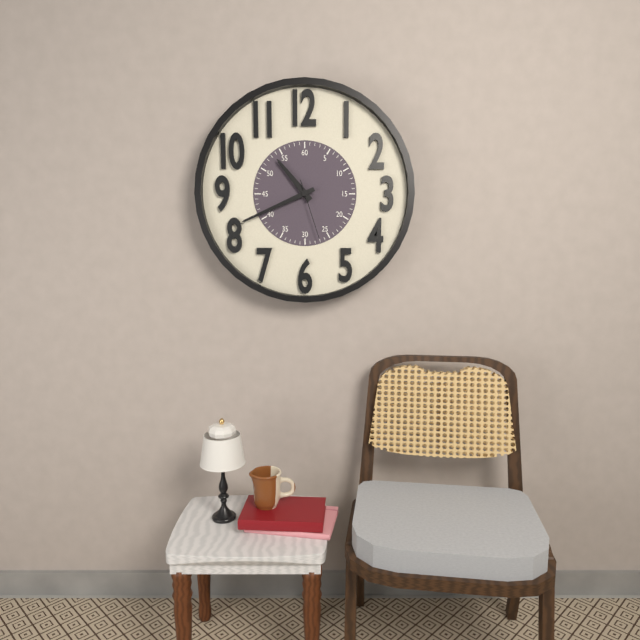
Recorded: h=10 m=41 s=27
